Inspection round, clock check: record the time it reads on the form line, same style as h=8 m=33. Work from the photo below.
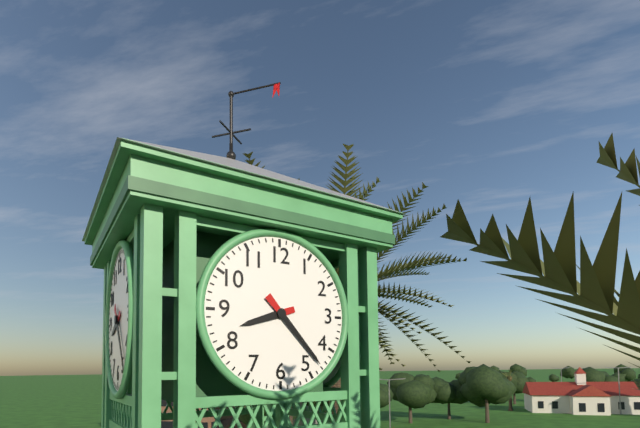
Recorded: h=8 m=23
